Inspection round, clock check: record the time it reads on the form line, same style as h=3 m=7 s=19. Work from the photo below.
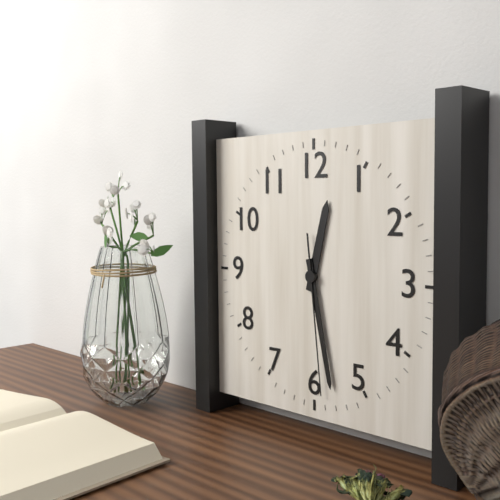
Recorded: h=12 m=28 s=29
